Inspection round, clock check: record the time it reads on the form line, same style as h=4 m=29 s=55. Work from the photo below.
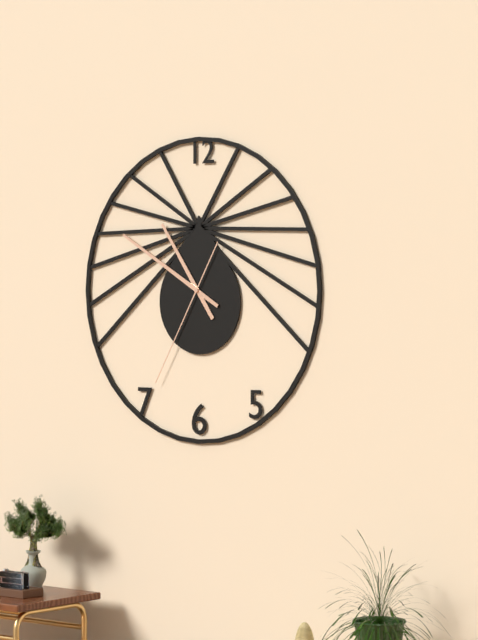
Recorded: h=10 m=50 s=35
